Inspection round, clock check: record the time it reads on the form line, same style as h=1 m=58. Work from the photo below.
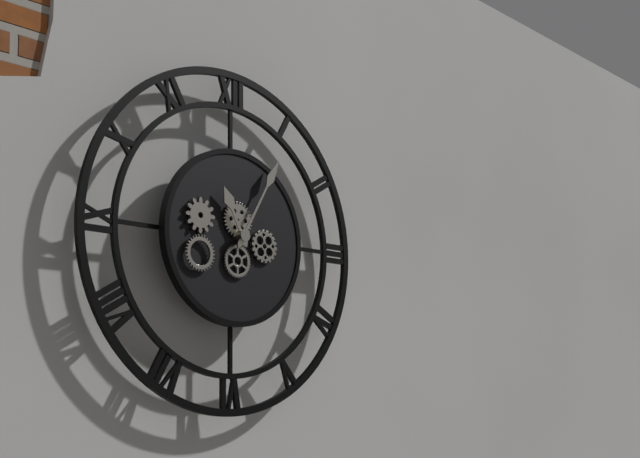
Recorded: h=11 m=5
